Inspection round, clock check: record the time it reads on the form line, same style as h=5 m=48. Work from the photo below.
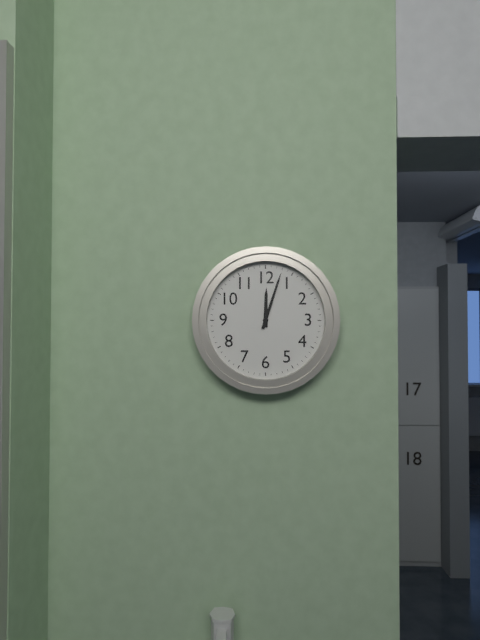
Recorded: h=12 m=3
